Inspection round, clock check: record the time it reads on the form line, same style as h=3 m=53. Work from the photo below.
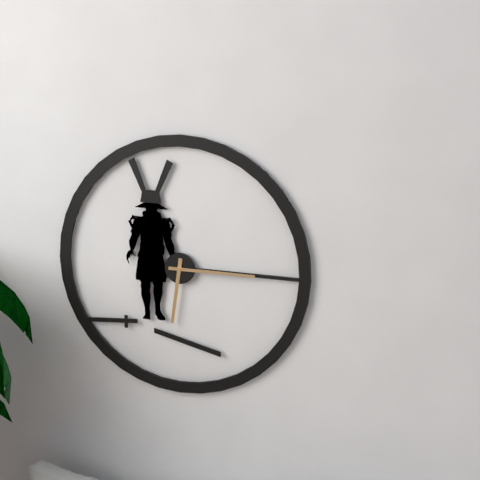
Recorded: h=6 m=15
